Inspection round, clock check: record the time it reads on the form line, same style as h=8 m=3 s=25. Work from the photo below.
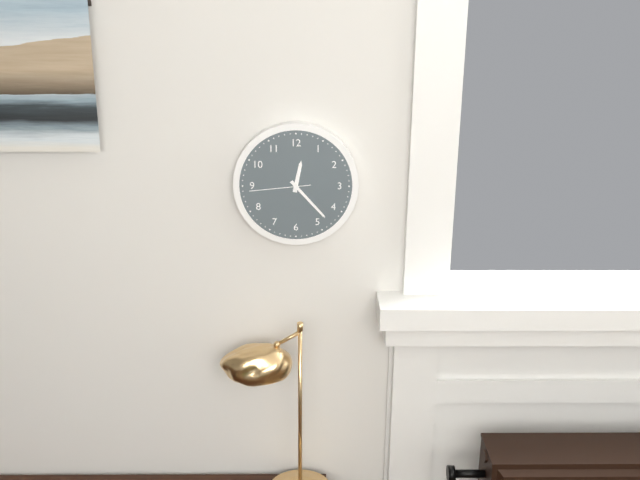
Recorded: h=12 m=23 s=44
